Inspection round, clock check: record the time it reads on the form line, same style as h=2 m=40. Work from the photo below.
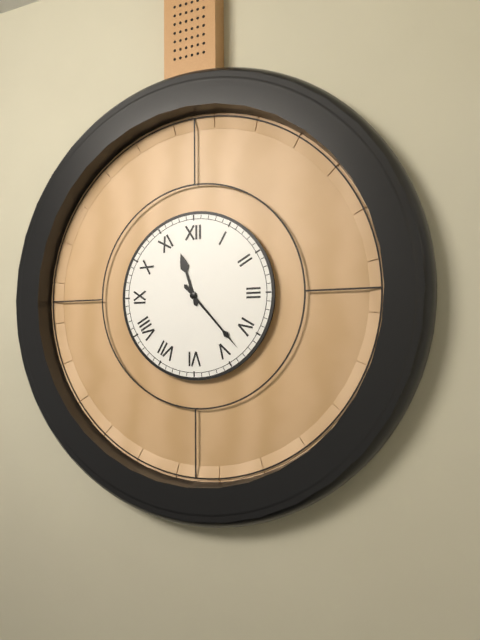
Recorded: h=11 m=23
